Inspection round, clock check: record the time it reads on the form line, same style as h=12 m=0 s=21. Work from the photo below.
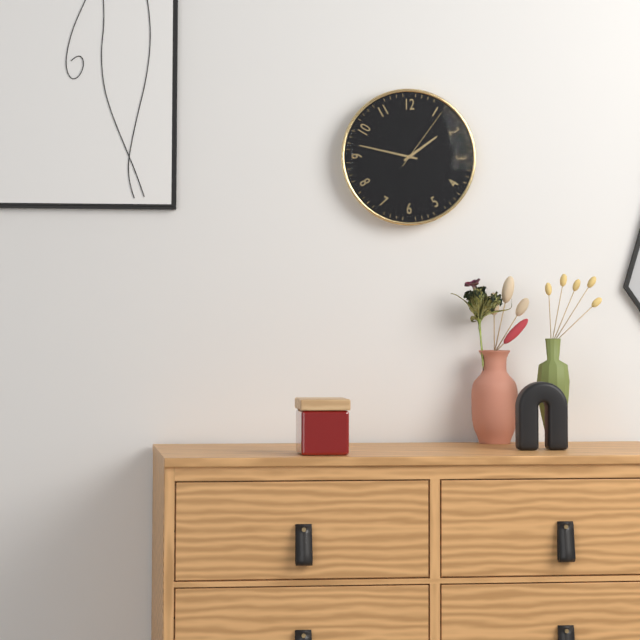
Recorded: h=1 m=47 s=6
